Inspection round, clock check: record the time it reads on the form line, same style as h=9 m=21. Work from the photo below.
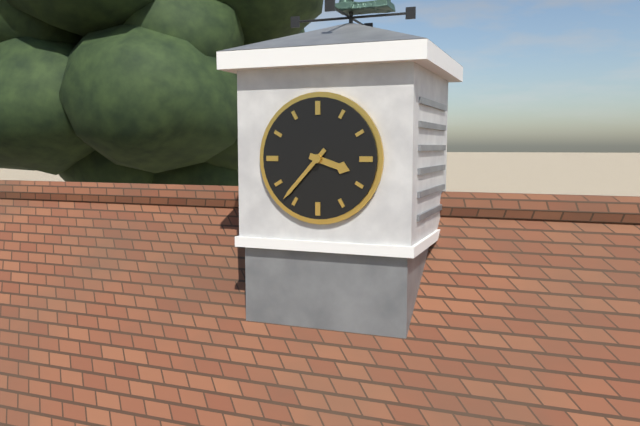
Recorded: h=3 m=37
